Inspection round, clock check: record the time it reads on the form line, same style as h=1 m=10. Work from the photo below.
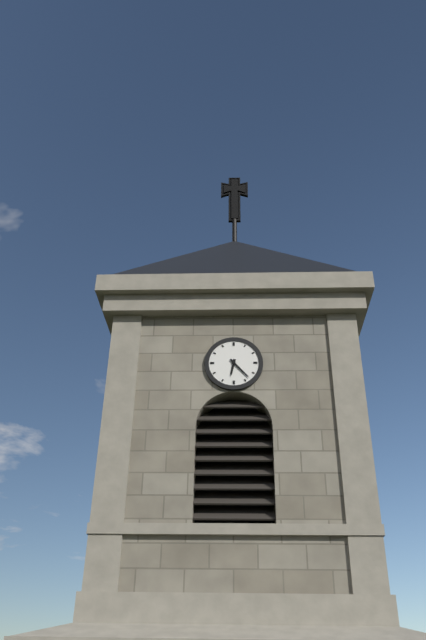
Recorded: h=6 m=23
